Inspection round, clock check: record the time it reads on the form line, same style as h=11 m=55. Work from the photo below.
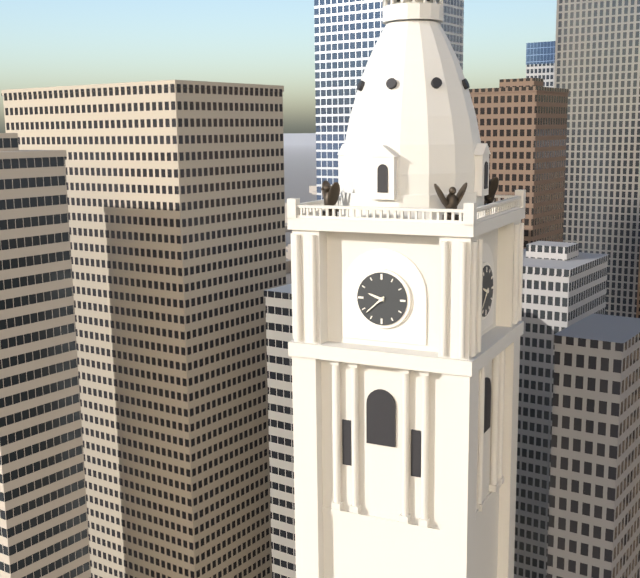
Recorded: h=9 m=38
